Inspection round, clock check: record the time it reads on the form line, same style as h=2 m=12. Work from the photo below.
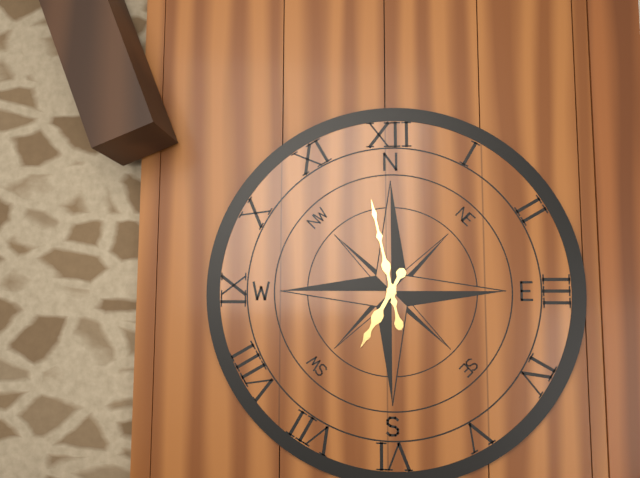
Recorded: h=6 m=58
